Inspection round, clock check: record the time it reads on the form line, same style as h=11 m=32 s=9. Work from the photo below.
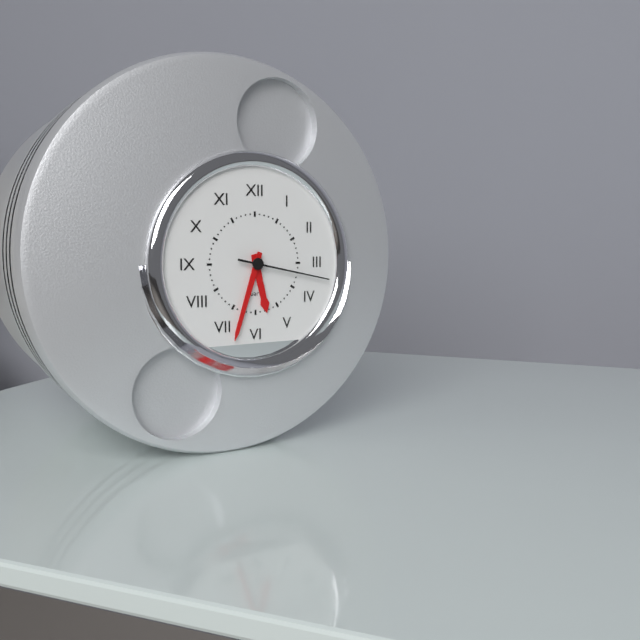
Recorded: h=5 m=33 s=17
